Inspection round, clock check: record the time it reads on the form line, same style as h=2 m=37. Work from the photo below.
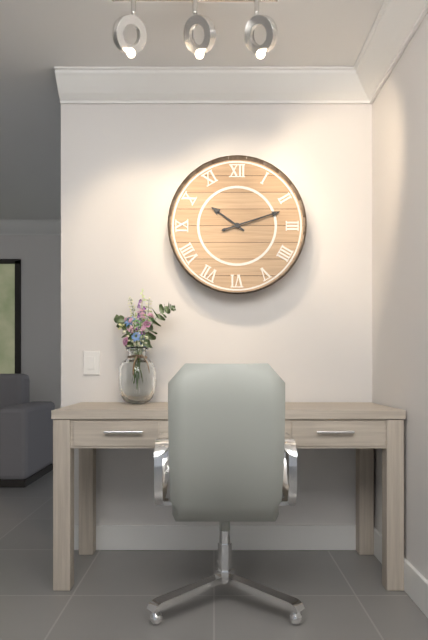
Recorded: h=10 m=12
